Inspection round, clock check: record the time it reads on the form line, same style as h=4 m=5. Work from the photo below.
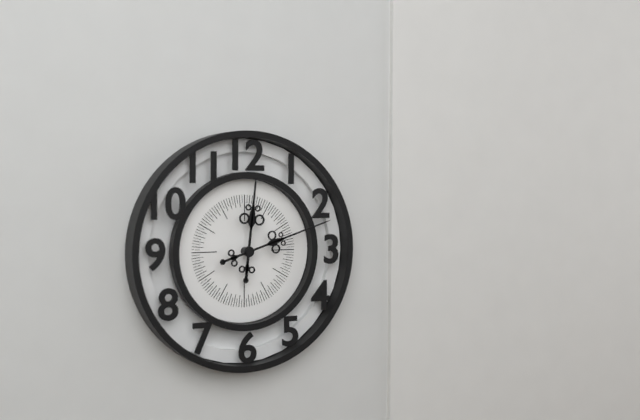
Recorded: h=12 m=12
